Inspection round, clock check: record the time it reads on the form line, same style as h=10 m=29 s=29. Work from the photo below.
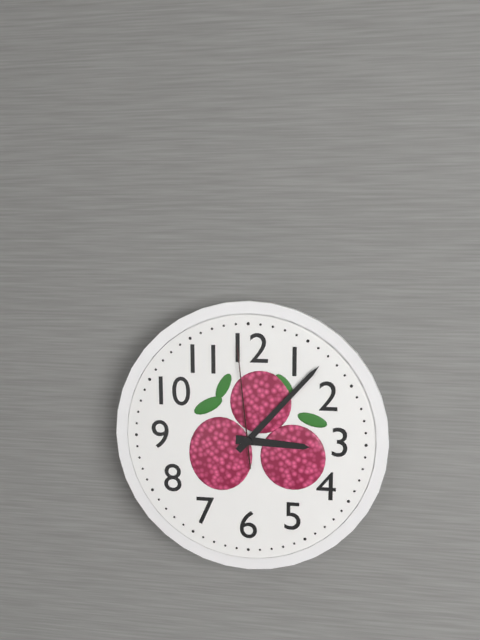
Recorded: h=3 m=7 s=59
